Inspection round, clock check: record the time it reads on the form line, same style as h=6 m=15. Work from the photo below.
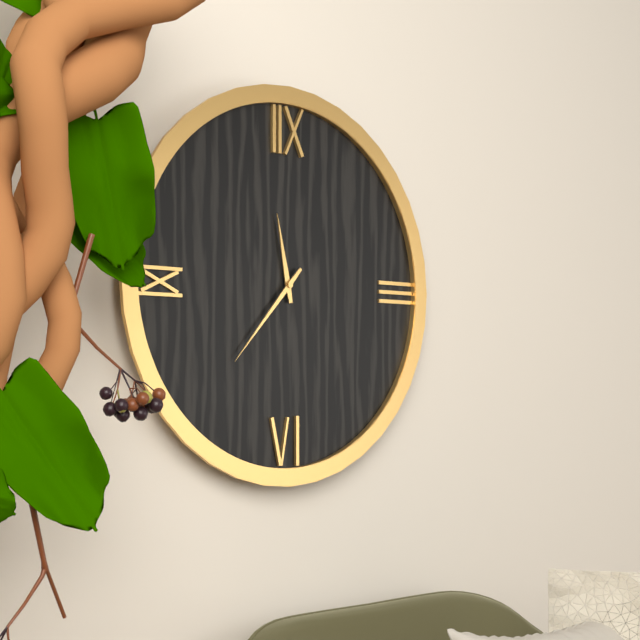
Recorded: h=11 m=37
